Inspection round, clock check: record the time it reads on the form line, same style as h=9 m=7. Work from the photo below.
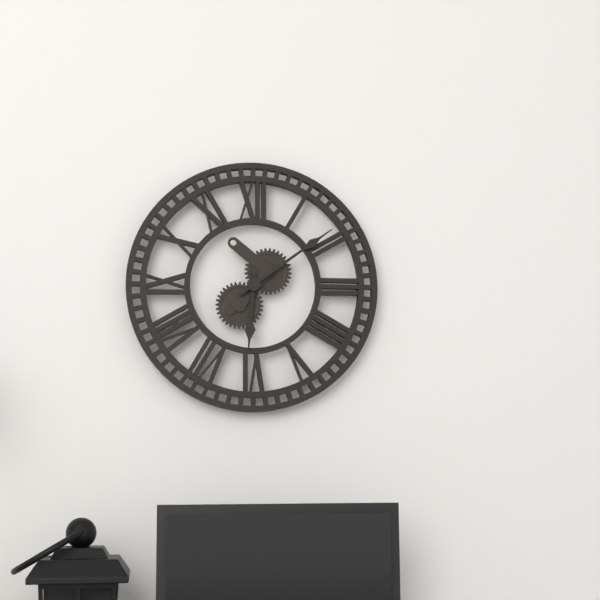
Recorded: h=6 m=9
